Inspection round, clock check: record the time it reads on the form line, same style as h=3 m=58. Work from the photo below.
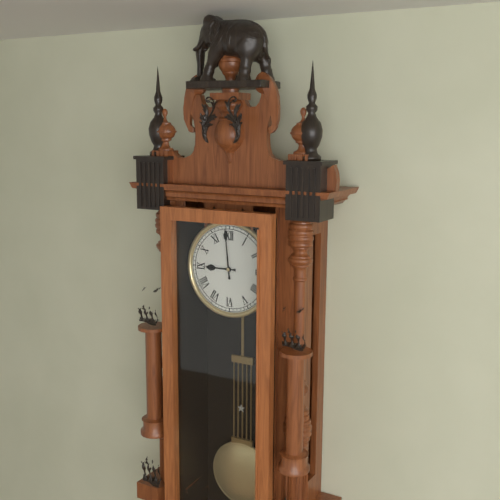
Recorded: h=8 m=59
